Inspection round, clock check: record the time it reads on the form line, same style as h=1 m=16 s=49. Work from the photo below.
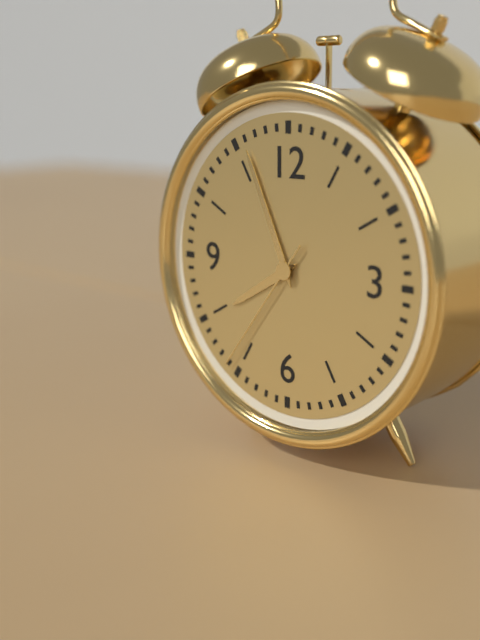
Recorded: h=7 m=56 s=36
